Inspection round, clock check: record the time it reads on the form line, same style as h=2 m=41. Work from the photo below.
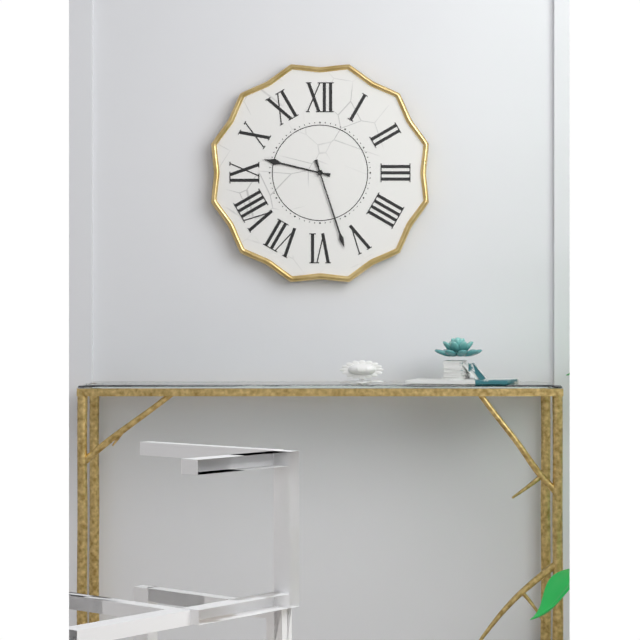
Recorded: h=9 m=27
